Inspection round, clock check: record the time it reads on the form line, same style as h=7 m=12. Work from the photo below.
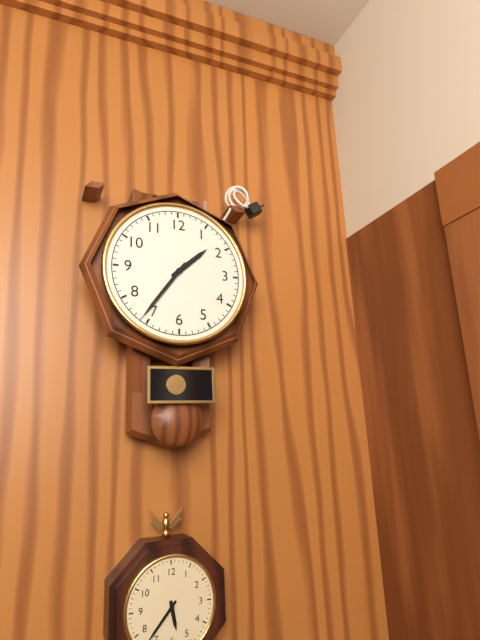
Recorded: h=1 m=36
